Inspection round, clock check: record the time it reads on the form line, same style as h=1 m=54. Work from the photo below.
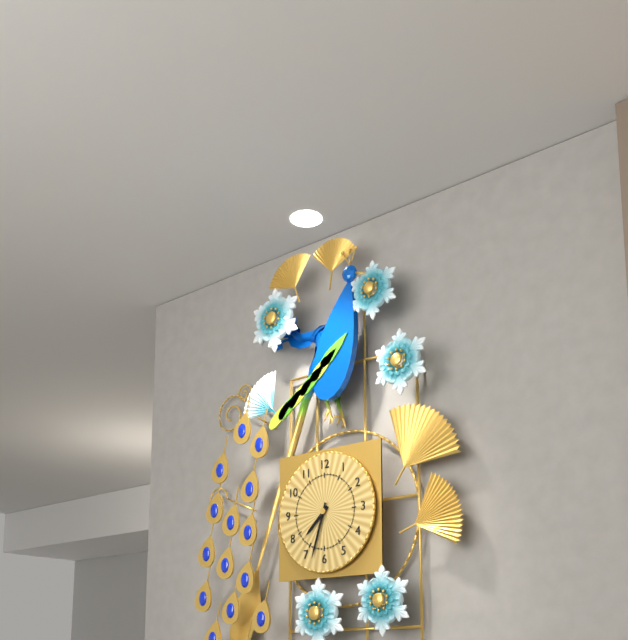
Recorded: h=7 m=33
